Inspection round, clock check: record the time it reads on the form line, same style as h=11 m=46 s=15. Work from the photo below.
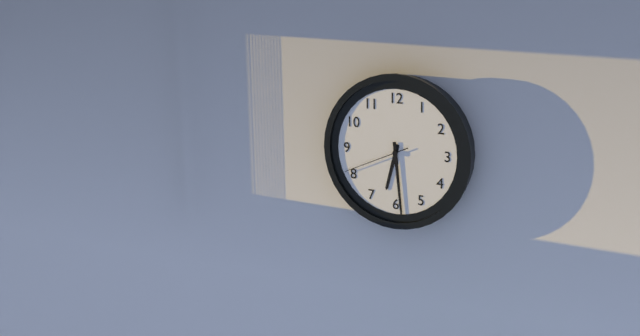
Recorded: h=6 m=29 s=41
